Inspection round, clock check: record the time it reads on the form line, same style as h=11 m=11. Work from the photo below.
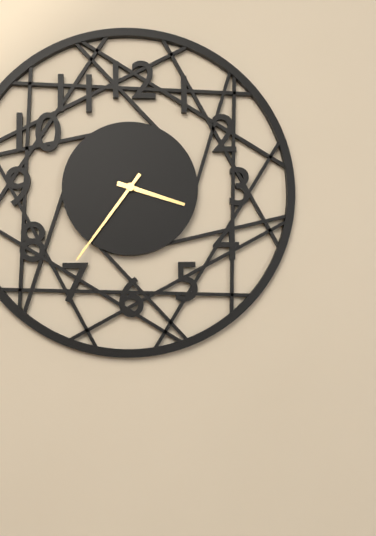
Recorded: h=3 m=36
